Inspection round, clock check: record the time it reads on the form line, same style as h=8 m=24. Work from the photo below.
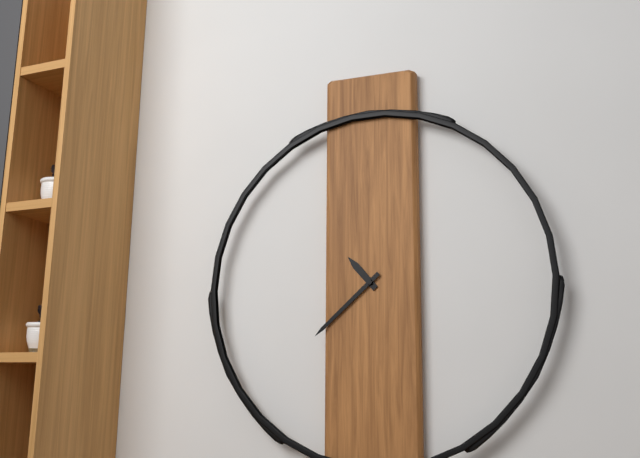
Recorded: h=10 m=38
